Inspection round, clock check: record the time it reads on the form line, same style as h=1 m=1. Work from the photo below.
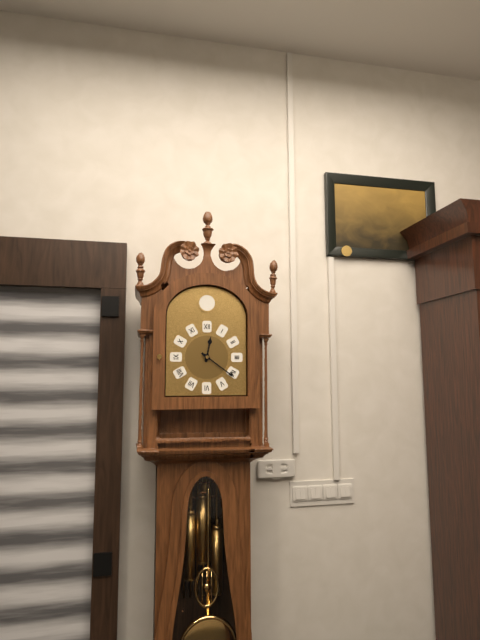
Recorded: h=12 m=21
